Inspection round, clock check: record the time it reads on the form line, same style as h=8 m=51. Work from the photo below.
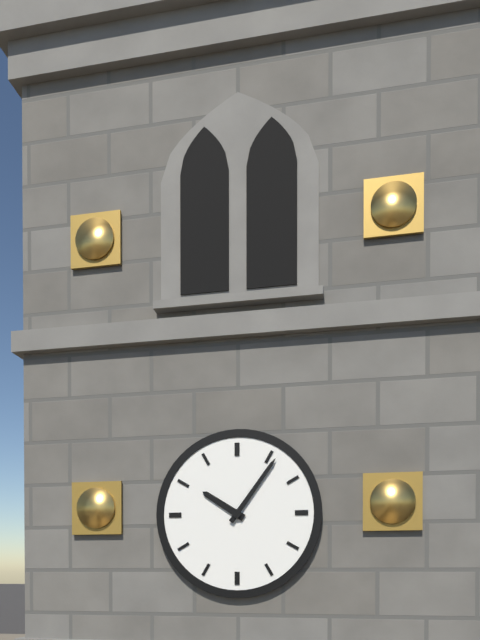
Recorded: h=10 m=6
